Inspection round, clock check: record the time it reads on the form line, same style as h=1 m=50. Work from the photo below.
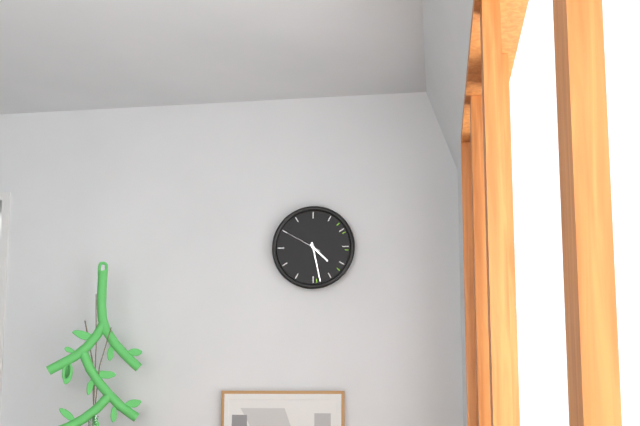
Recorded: h=4 m=28
